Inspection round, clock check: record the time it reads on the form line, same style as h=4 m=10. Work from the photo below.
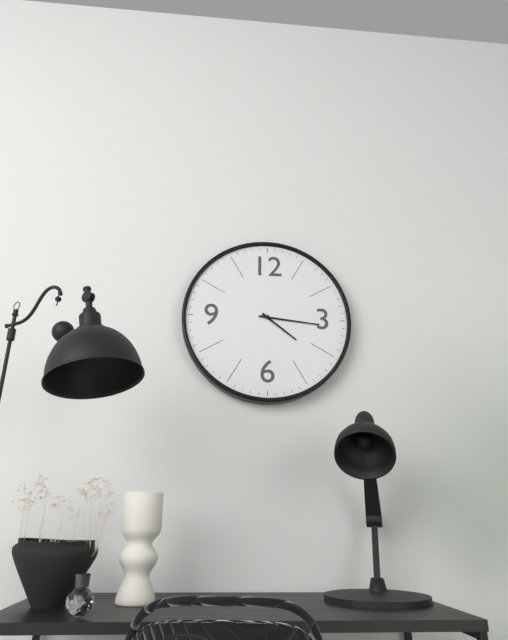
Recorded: h=4 m=16
